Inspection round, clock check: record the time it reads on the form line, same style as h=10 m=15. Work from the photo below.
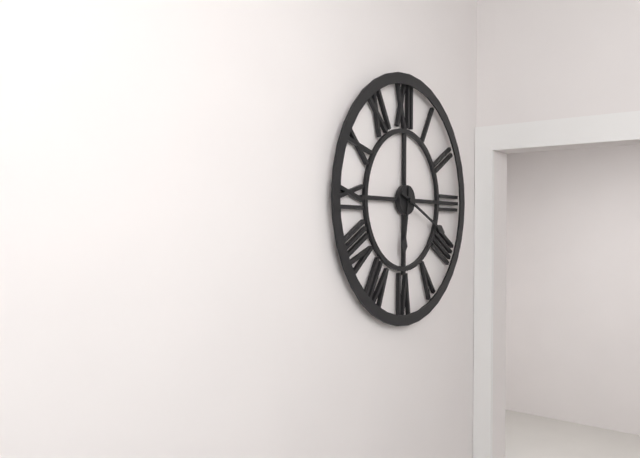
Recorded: h=6 m=19
